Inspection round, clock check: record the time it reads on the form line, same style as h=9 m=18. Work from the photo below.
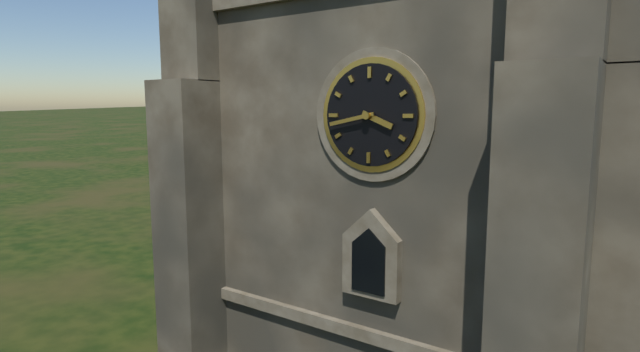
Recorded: h=3 m=43
